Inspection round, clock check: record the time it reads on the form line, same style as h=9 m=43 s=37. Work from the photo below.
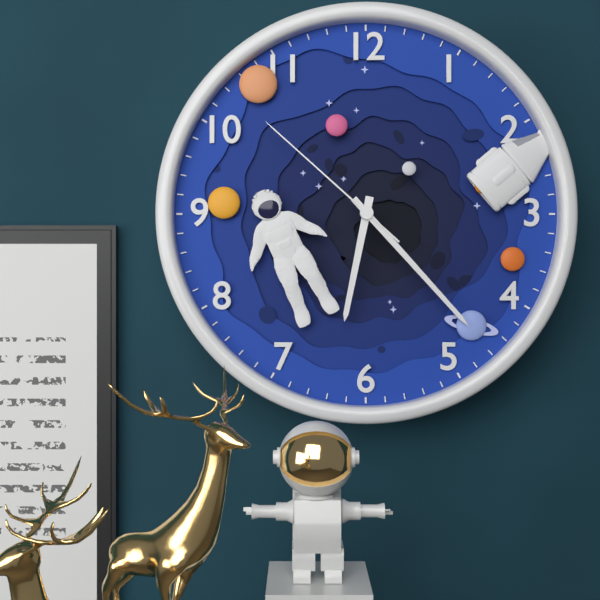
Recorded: h=6 m=23 s=52
